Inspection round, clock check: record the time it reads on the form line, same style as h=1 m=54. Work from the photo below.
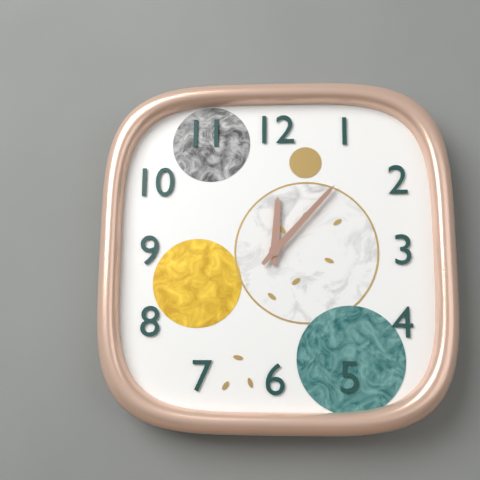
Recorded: h=12 m=7
